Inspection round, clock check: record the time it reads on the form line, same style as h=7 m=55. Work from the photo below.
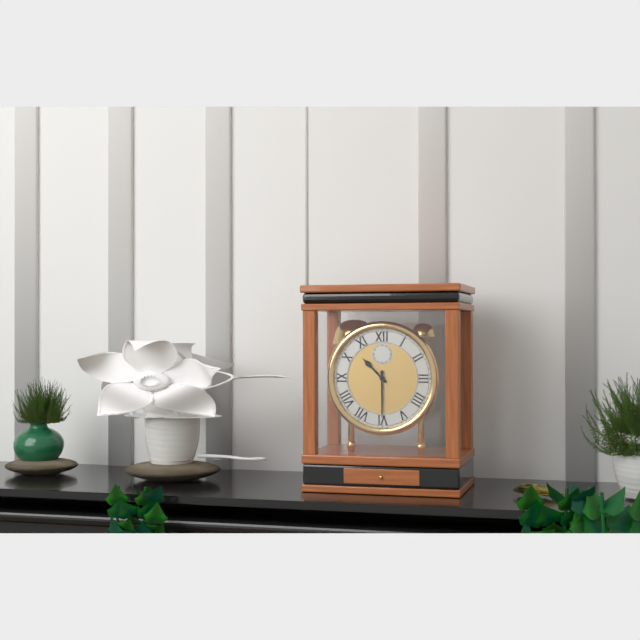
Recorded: h=10 m=30
